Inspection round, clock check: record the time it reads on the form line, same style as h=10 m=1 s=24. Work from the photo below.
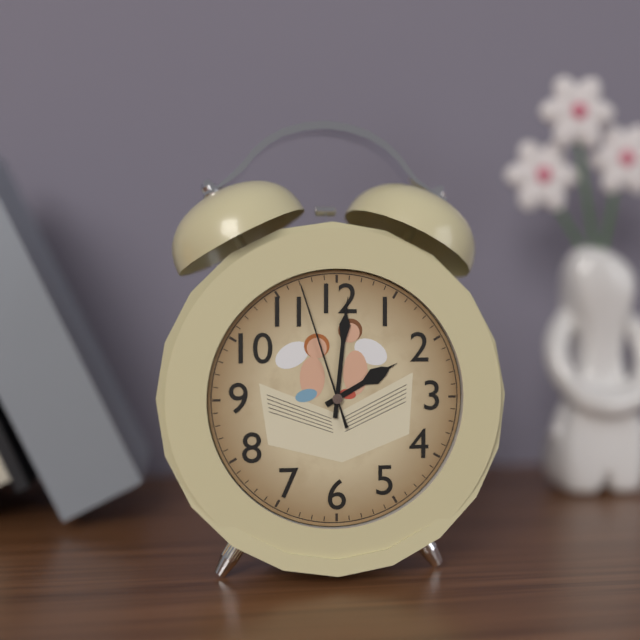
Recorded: h=2 m=1 s=57
